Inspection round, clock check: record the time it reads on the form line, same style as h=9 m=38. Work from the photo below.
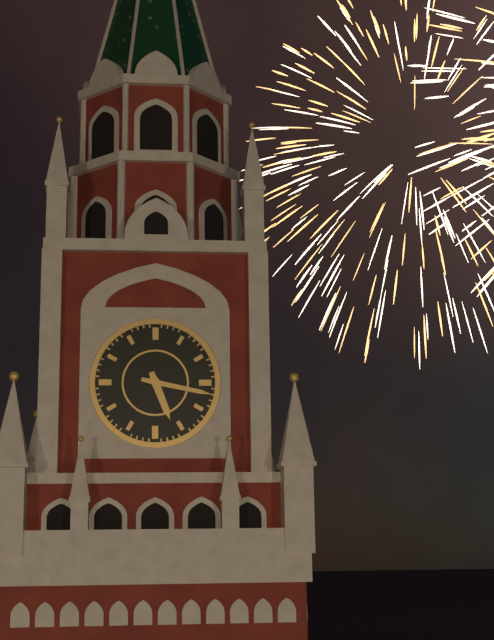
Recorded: h=5 m=17
